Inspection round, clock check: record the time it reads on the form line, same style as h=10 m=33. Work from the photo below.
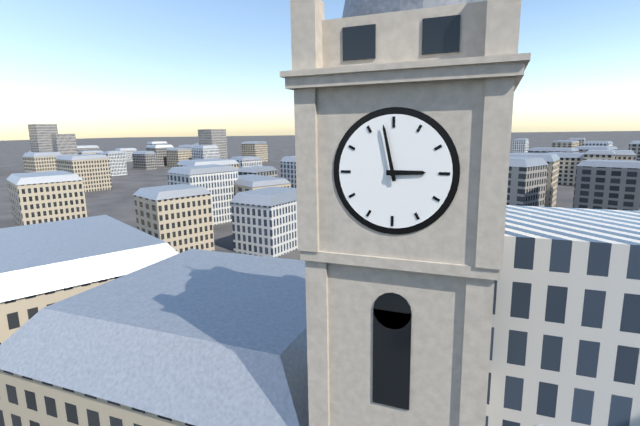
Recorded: h=2 m=58
